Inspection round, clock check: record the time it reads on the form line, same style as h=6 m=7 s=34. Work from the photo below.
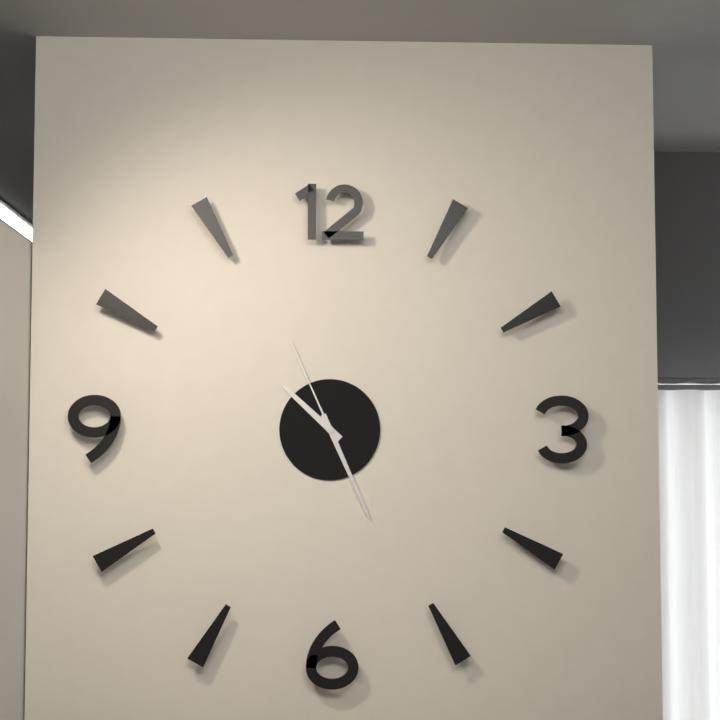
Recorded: h=10 m=26 s=56
